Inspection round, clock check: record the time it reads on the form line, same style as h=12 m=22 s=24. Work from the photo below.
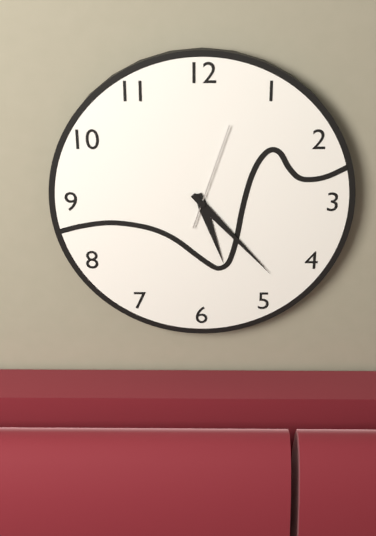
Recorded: h=5 m=23 s=3
